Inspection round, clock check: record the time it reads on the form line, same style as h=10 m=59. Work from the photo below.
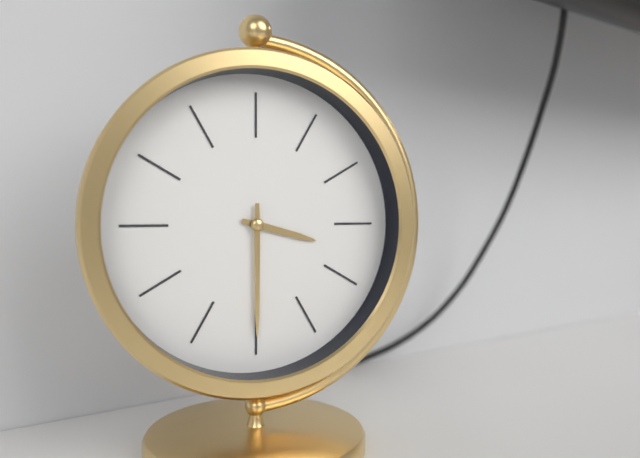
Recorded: h=3 m=30
